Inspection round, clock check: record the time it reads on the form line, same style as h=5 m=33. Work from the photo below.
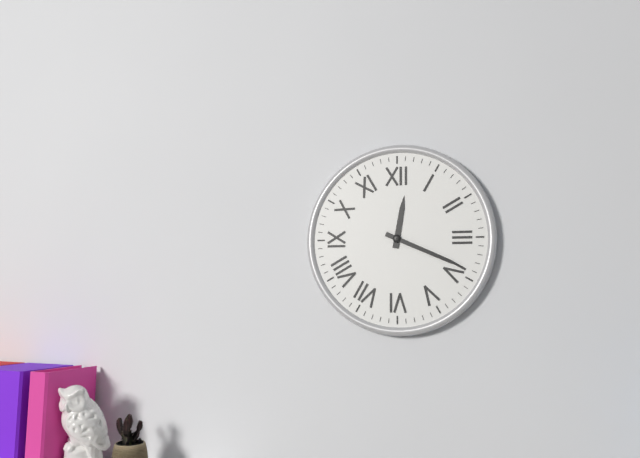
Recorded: h=12 m=19
